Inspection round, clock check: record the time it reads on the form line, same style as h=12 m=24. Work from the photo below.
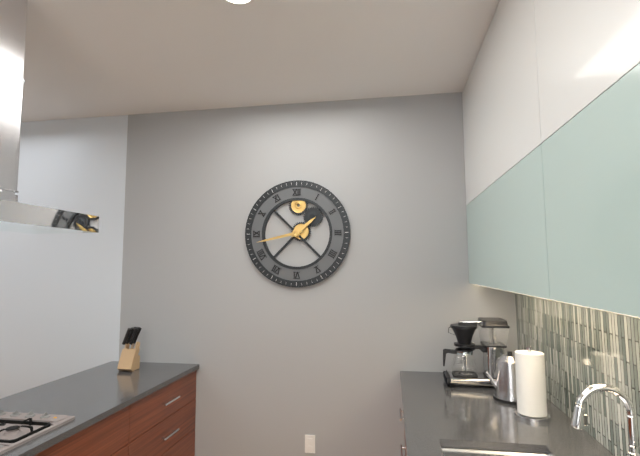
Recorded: h=1 m=43
